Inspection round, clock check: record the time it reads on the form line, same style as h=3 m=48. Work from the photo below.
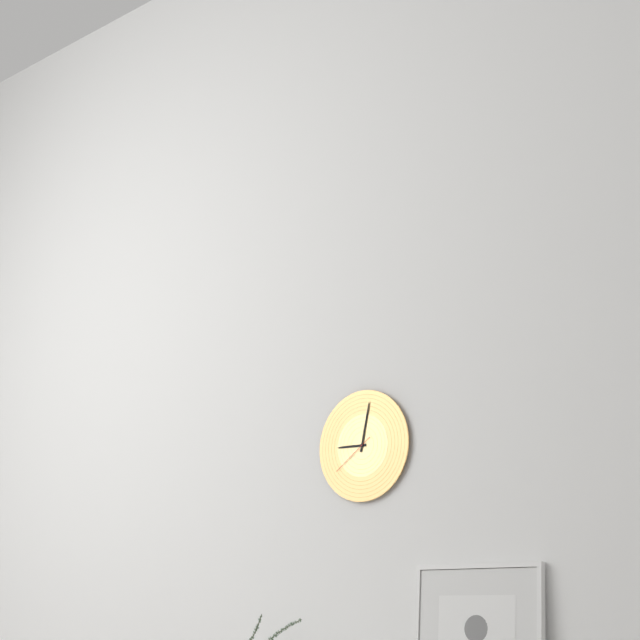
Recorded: h=9 m=2
